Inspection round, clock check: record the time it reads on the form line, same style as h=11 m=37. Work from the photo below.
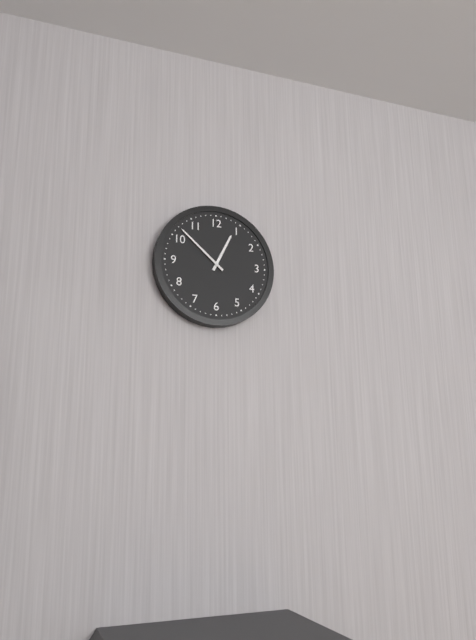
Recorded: h=12 m=52
